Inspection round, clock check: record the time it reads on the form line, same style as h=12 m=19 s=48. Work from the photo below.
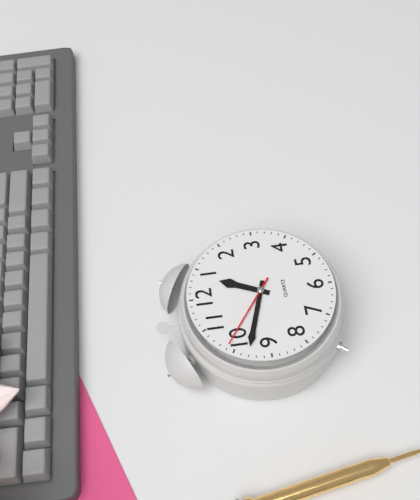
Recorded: h=12 m=48 s=51
